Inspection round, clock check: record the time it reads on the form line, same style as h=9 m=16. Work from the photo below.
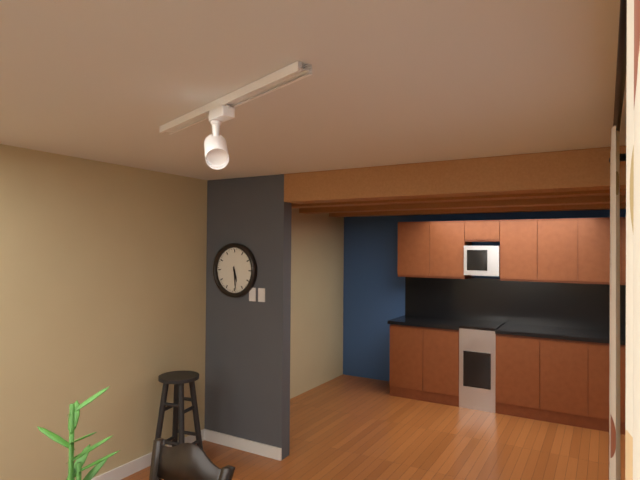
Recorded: h=5 m=29
